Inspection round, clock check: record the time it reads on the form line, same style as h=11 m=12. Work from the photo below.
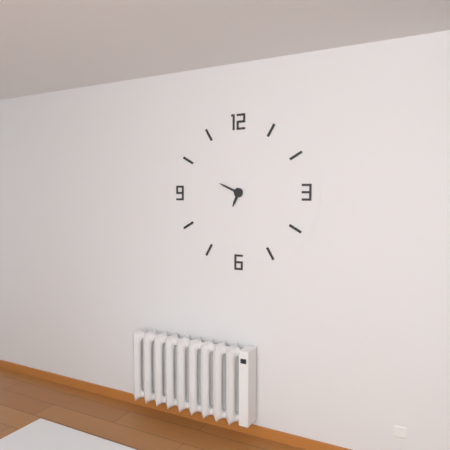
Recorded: h=6 m=49
